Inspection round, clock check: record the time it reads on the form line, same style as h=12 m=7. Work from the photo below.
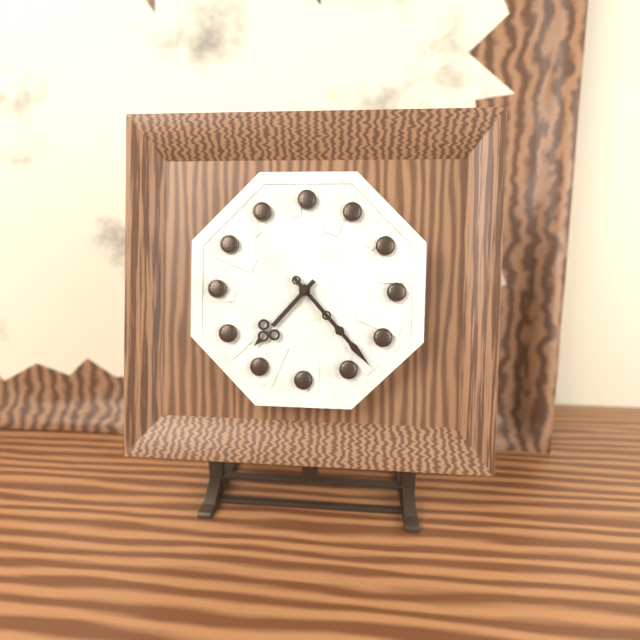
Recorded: h=7 m=23
